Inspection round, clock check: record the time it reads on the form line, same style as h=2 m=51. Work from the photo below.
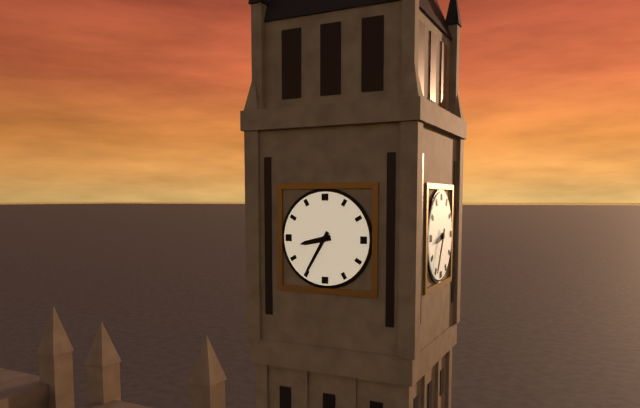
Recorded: h=8 m=35
